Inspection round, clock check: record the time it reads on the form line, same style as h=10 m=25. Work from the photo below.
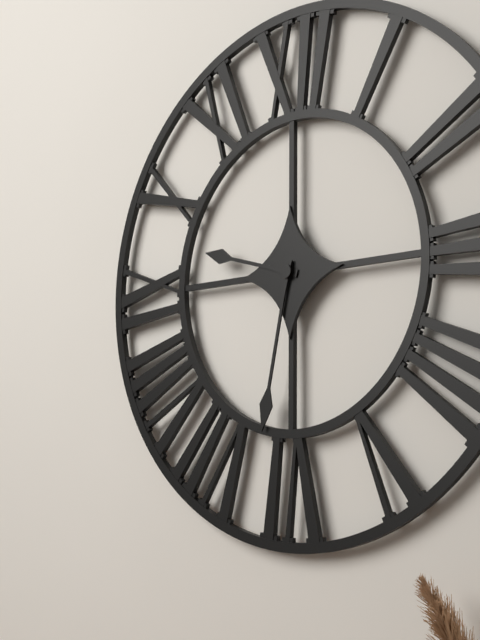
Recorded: h=9 m=32
